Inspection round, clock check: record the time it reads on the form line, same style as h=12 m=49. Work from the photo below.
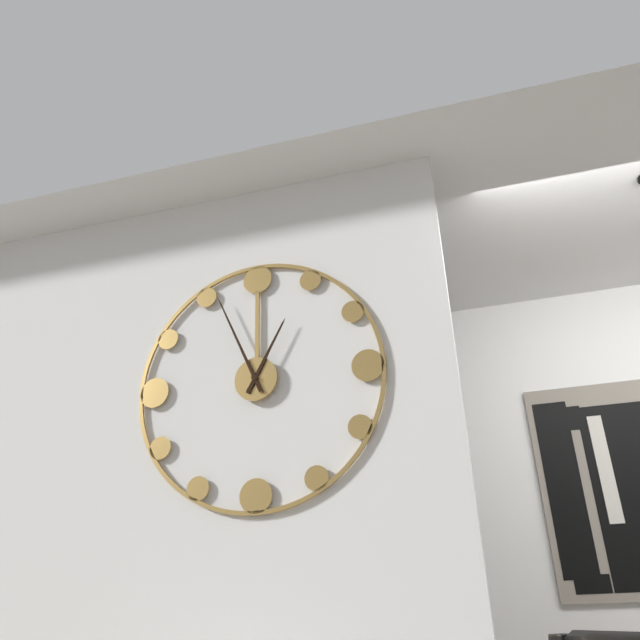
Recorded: h=12 m=56
